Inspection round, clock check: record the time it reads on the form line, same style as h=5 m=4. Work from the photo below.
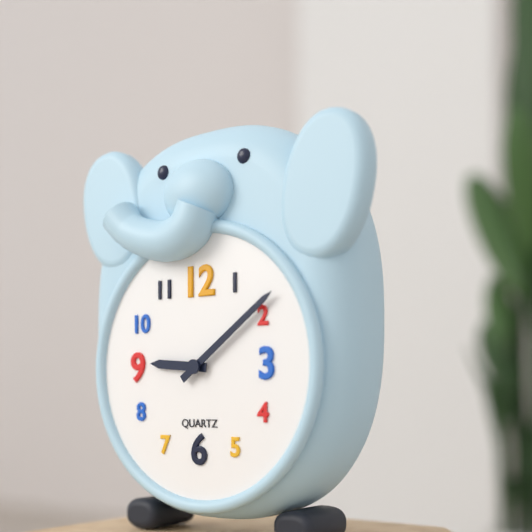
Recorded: h=9 m=9
